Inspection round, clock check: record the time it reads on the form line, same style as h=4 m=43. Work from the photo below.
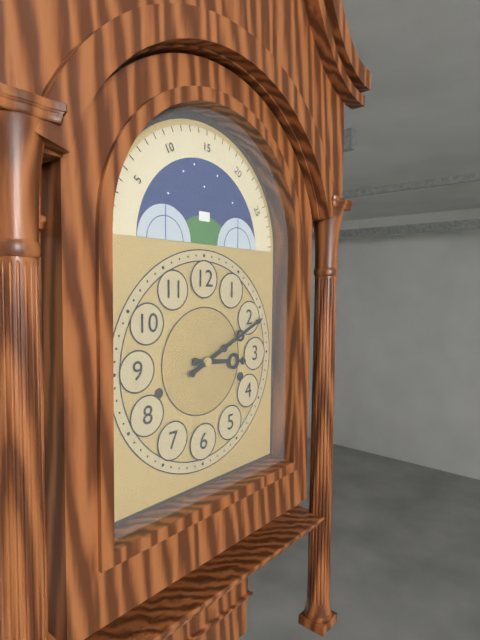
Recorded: h=3 m=11
